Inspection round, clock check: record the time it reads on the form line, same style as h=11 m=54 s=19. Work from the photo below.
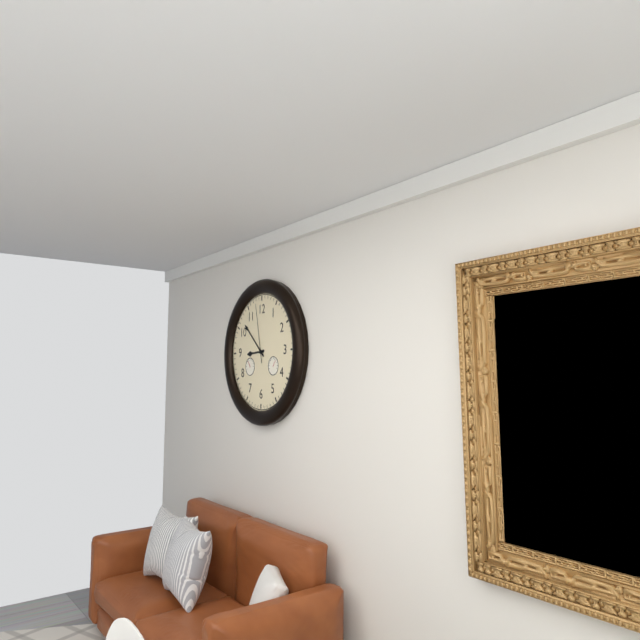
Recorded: h=8 m=52 s=58
